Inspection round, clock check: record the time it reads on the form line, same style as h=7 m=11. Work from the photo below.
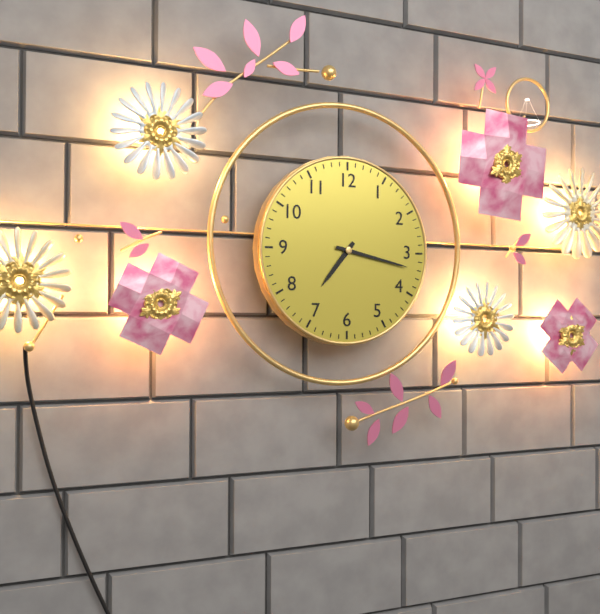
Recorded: h=7 m=17
